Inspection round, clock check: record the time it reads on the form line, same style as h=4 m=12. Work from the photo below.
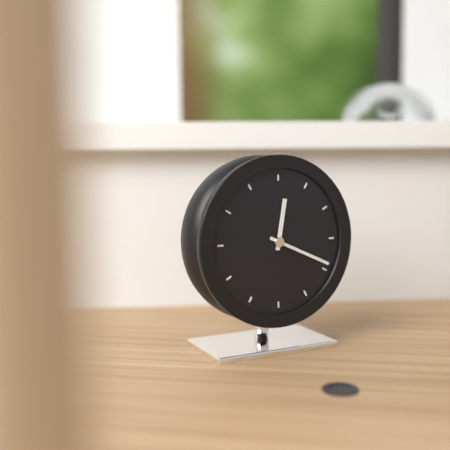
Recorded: h=12 m=19
